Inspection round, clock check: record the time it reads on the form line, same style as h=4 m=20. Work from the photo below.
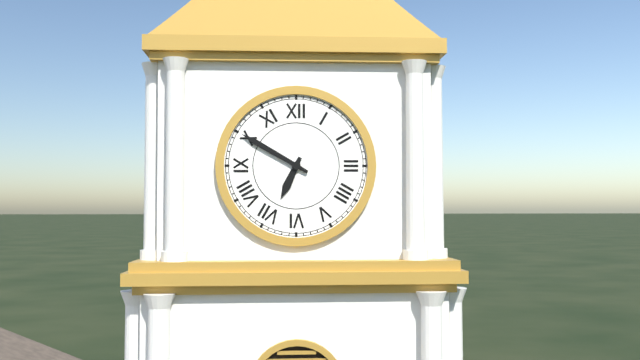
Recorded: h=6 m=50
